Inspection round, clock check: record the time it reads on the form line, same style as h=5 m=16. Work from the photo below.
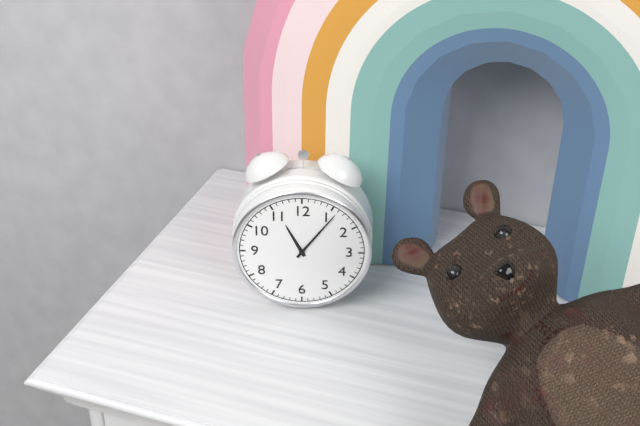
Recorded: h=11 m=6
